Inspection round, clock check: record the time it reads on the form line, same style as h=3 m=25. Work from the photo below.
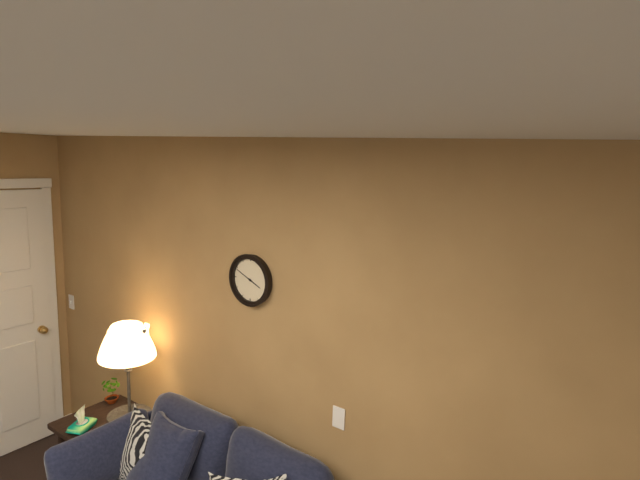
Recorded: h=3 m=49
